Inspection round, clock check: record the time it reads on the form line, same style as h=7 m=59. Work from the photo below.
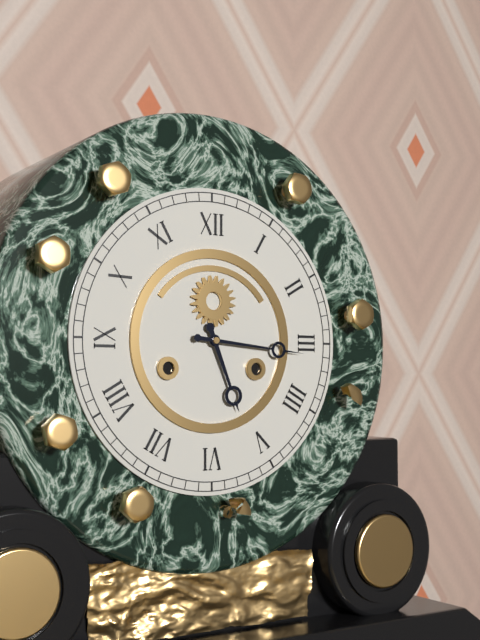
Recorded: h=5 m=16
